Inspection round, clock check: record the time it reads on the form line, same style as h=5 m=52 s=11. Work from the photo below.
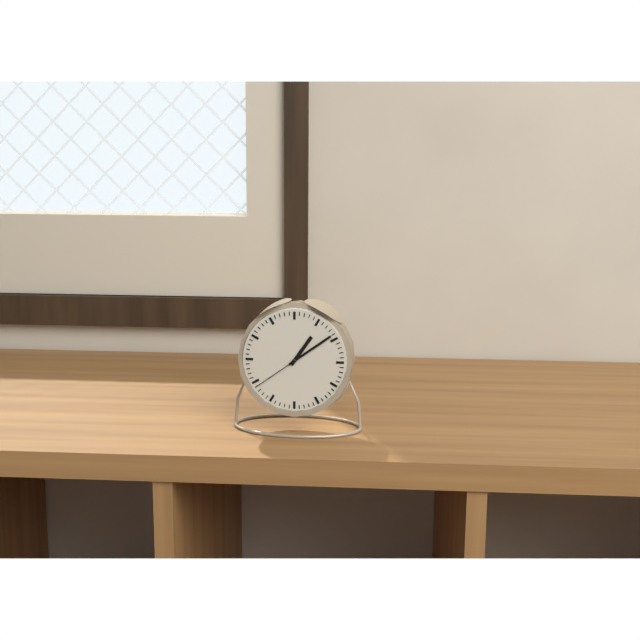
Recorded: h=1 m=9 s=39
